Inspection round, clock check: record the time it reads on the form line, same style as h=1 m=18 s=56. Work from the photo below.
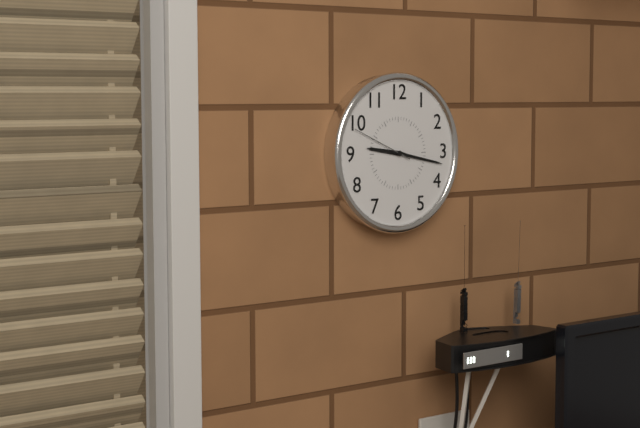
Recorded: h=9 m=17 s=49
